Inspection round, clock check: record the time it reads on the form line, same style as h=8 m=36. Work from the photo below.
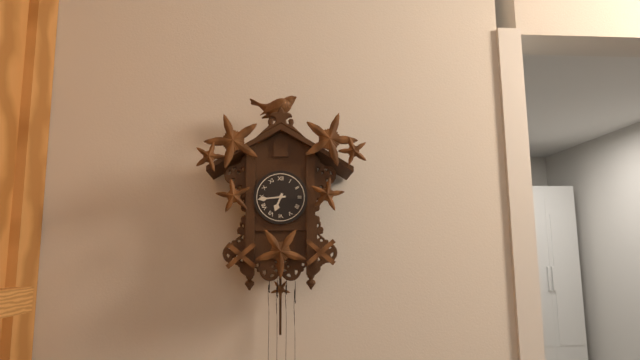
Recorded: h=6 m=44
